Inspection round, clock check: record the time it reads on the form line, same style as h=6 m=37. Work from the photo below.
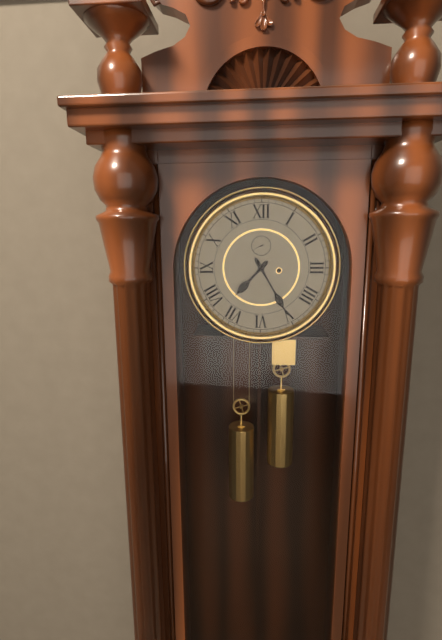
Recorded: h=7 m=25
